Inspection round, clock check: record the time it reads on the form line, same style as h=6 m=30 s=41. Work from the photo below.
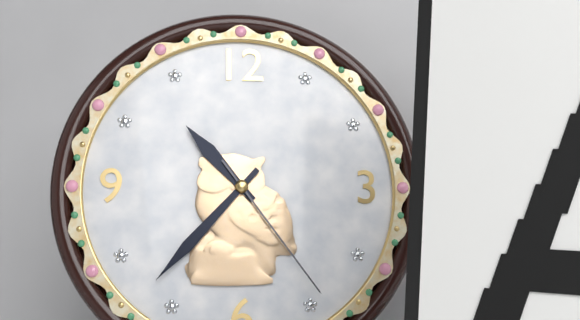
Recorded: h=10 m=37 s=24
